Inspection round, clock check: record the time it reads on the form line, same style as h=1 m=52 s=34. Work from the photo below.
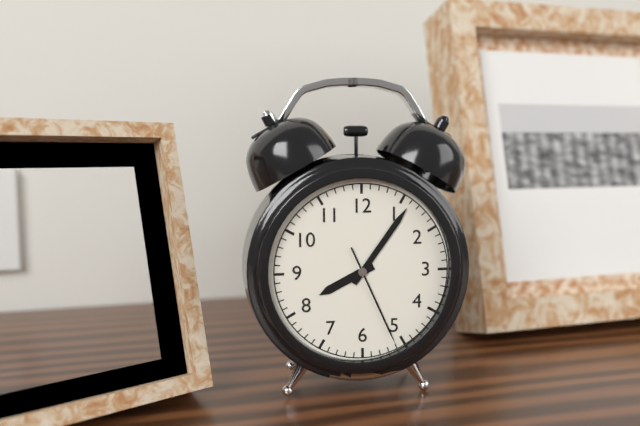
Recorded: h=8 m=6 s=26
